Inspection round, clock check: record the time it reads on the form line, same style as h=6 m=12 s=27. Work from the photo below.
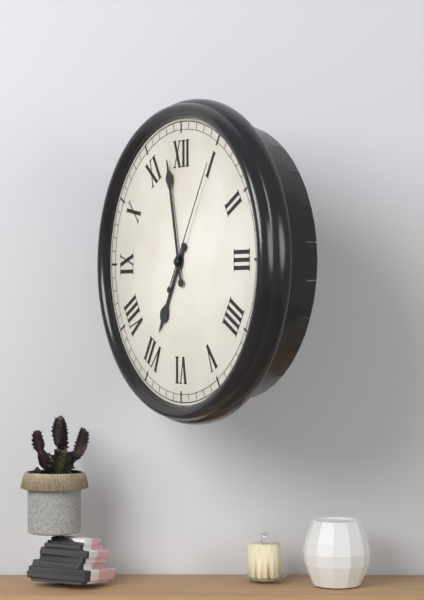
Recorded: h=6 m=58 s=5
